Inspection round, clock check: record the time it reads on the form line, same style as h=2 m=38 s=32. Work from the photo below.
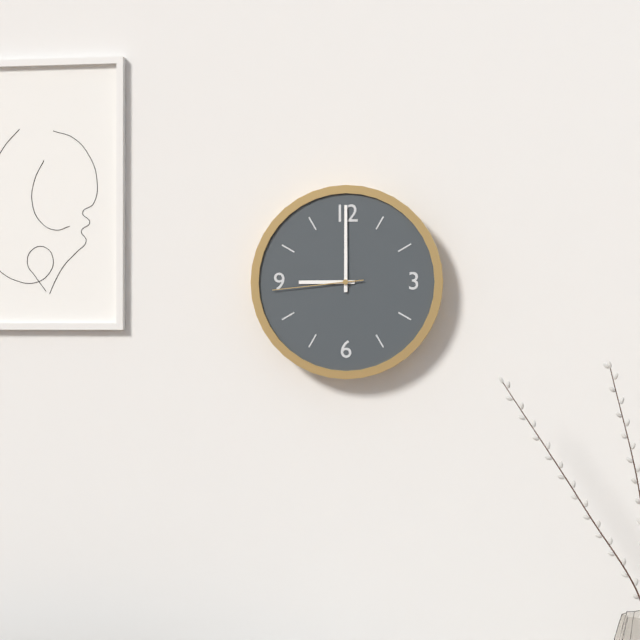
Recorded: h=9 m=0 s=44
